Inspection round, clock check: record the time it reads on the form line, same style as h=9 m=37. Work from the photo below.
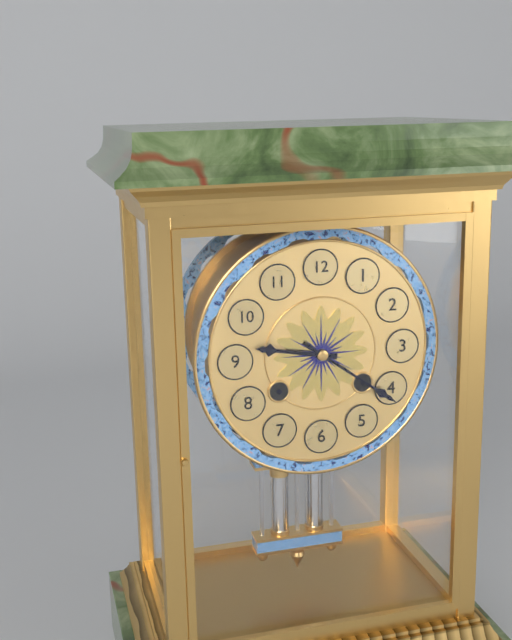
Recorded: h=9 m=21
